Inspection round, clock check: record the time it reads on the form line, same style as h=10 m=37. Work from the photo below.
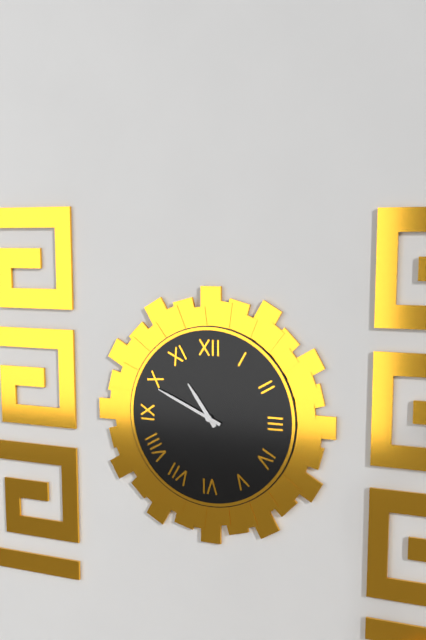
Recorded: h=10 m=49
